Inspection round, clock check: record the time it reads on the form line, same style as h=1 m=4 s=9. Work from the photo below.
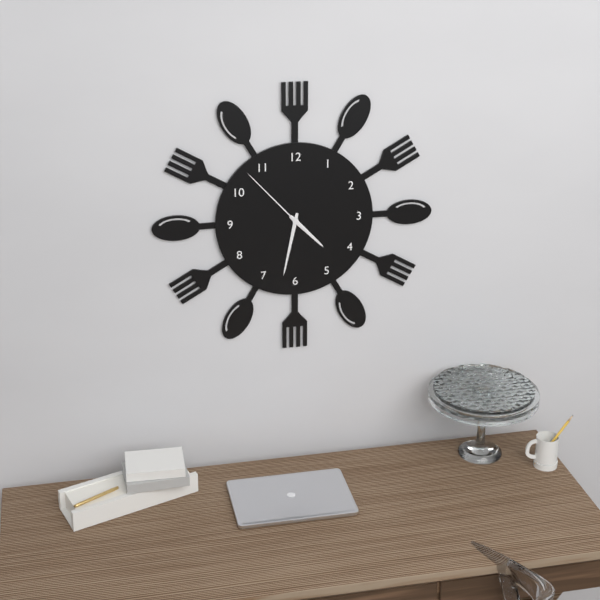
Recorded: h=4 m=32 s=53
